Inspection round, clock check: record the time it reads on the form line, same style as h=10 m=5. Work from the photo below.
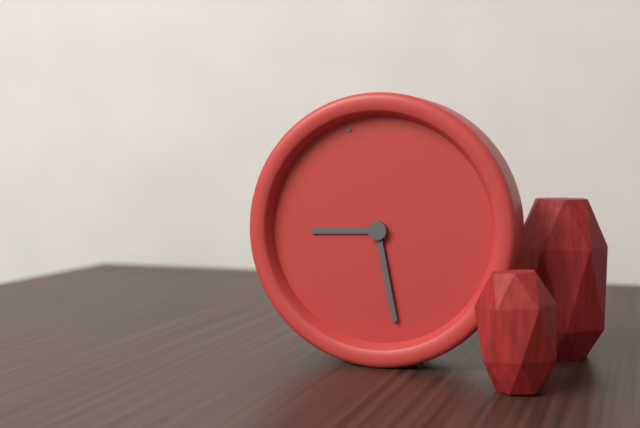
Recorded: h=9 m=31
